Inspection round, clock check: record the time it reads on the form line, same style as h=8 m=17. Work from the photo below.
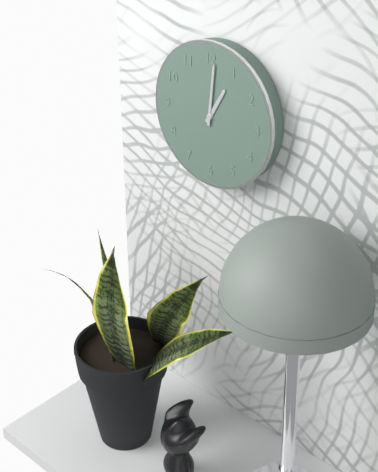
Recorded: h=1 m=1
